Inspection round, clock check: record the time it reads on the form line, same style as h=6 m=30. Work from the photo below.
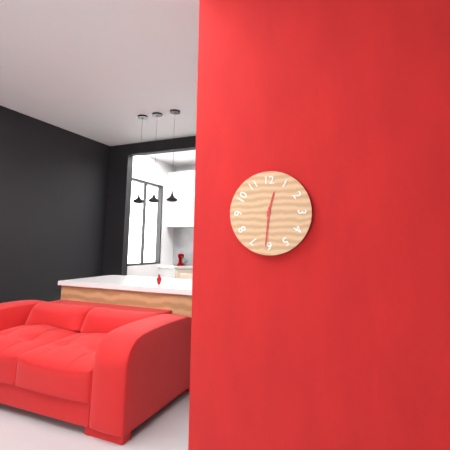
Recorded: h=12 m=31
